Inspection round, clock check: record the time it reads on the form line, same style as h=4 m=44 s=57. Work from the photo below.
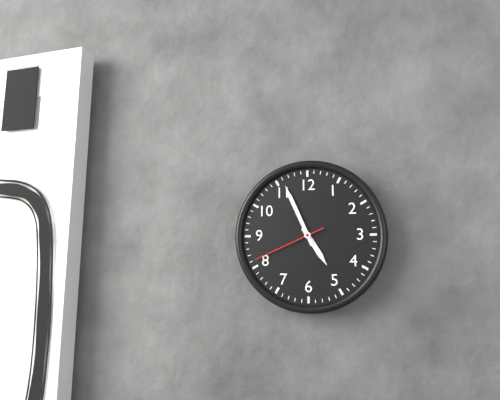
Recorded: h=4 m=56 s=41
